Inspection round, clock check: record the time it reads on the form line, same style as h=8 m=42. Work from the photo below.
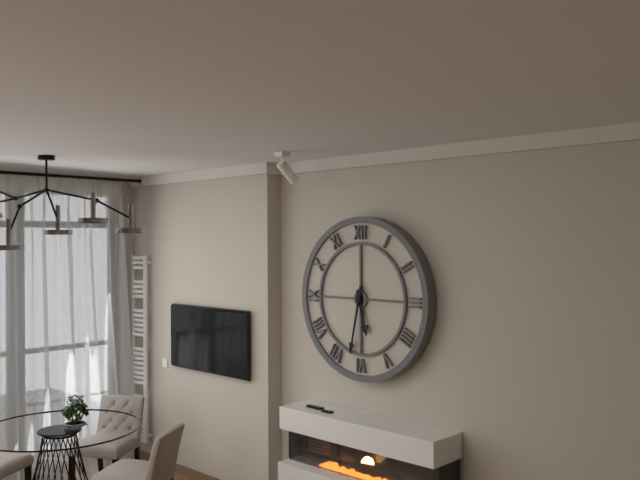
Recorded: h=5 m=32
